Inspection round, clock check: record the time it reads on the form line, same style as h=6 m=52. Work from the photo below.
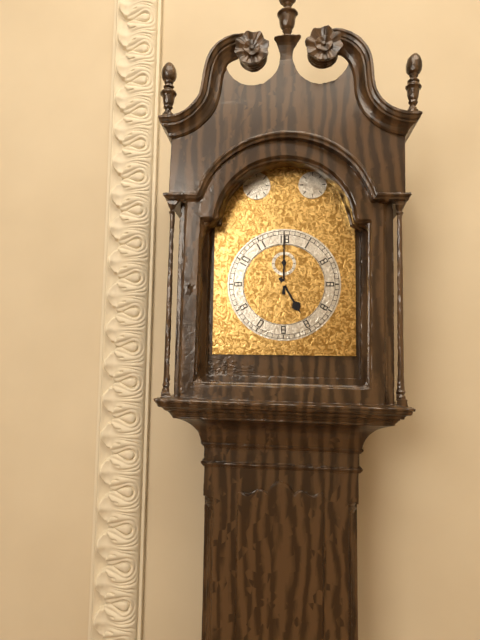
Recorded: h=5 m=0
